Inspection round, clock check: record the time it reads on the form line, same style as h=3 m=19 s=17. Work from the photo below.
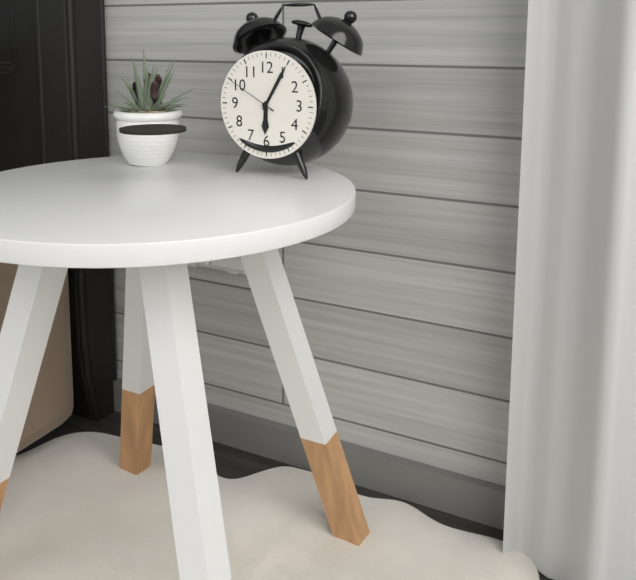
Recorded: h=6 m=5 s=50
